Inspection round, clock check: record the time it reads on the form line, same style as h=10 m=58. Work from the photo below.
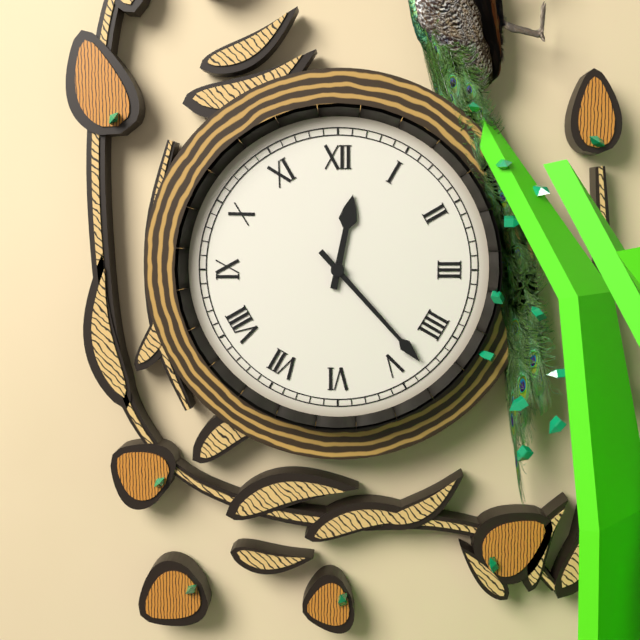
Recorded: h=12 m=23
